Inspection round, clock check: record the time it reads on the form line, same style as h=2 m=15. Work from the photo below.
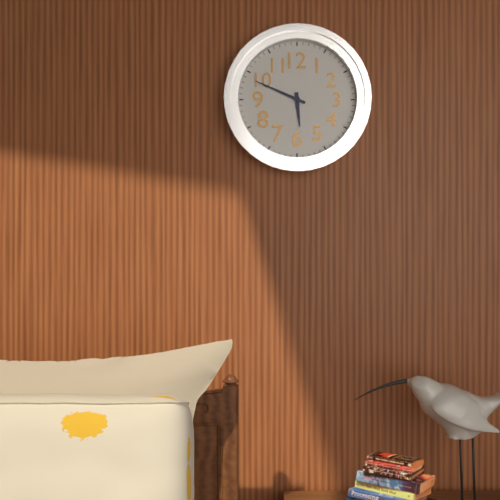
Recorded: h=5 m=49
